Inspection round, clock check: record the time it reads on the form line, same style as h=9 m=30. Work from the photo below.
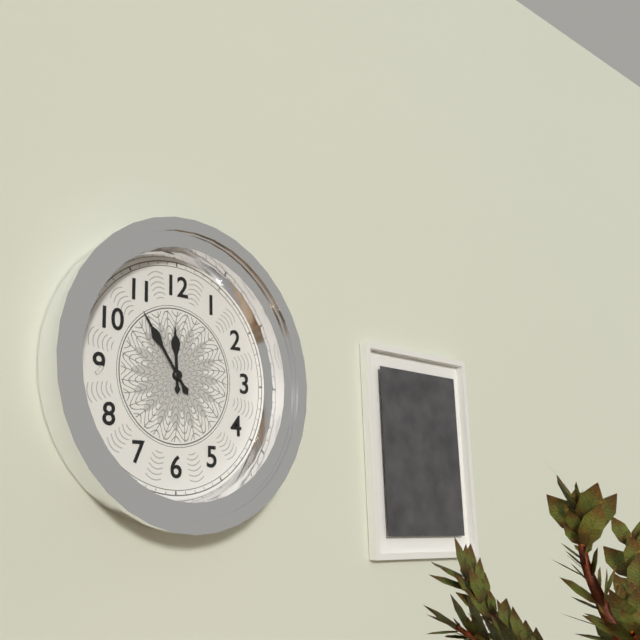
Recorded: h=11 m=54
